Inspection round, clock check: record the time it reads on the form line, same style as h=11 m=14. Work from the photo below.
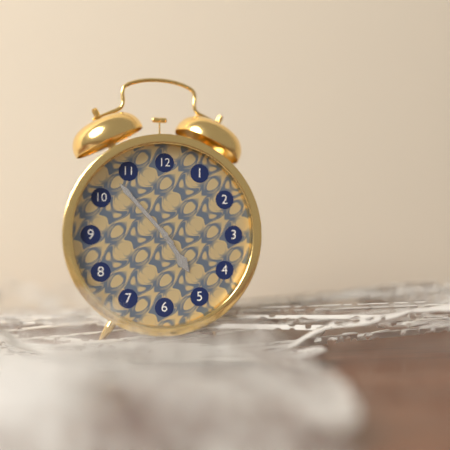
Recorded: h=4 m=53
